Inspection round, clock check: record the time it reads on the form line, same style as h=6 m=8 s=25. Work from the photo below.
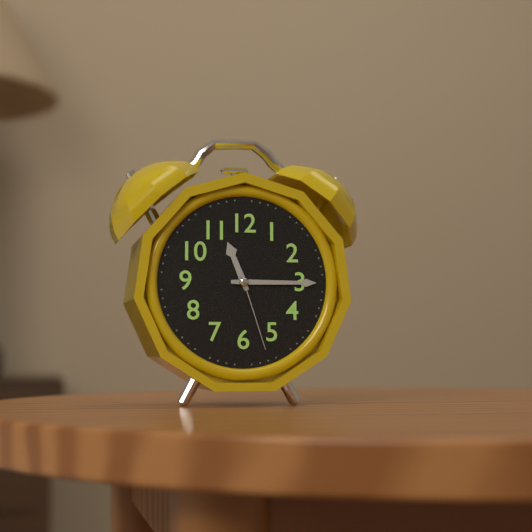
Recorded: h=11 m=15 s=27
